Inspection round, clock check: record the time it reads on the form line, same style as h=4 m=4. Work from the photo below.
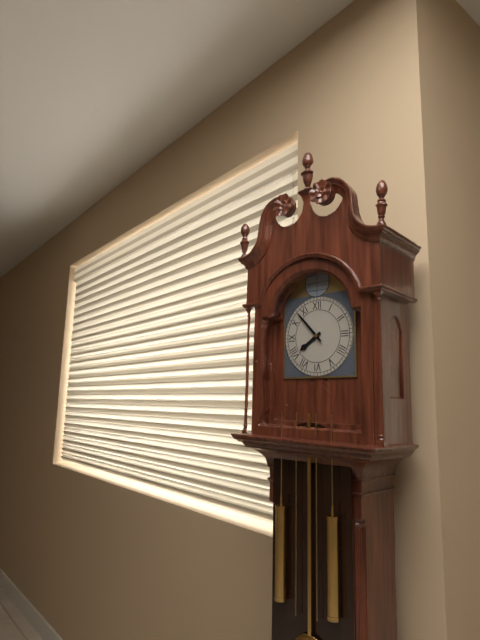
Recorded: h=7 m=53
